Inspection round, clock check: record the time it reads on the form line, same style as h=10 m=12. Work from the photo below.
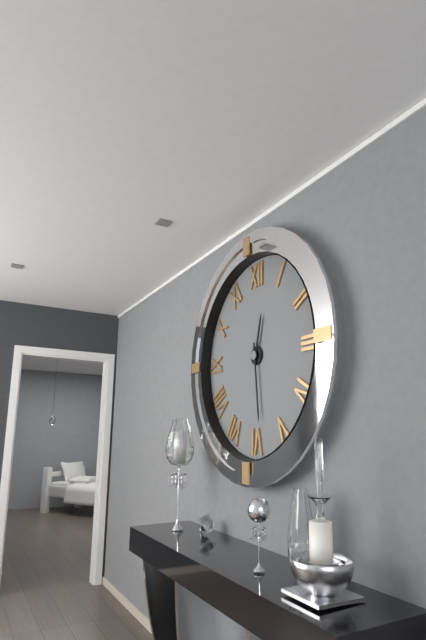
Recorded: h=12 m=29
